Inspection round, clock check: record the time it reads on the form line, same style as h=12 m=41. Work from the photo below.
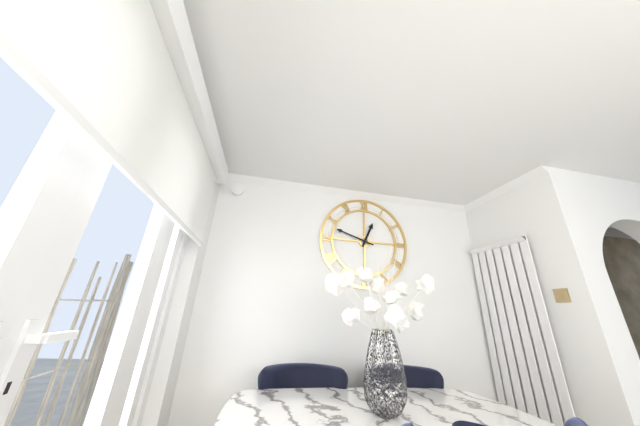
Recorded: h=12 m=48
